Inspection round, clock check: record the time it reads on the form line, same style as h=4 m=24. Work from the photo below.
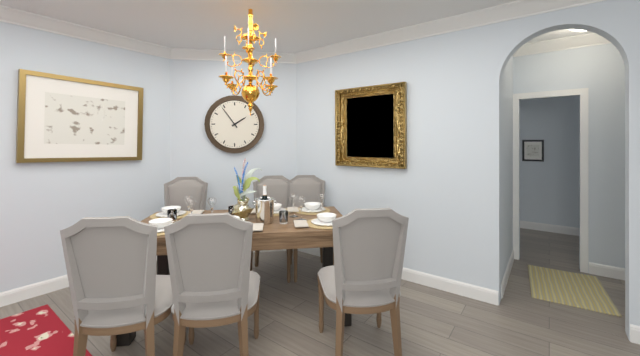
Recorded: h=1 m=54
